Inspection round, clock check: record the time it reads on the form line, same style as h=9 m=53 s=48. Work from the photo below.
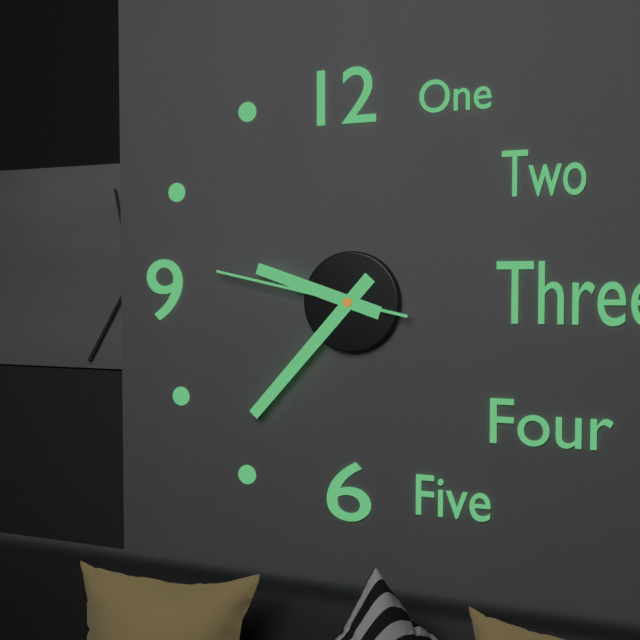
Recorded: h=9 m=37 s=47
